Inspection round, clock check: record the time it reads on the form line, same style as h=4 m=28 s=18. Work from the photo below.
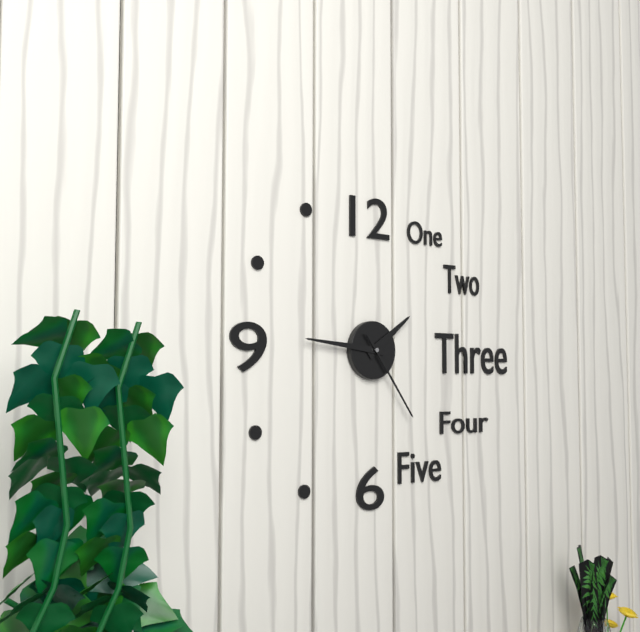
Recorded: h=1 m=46 s=24
